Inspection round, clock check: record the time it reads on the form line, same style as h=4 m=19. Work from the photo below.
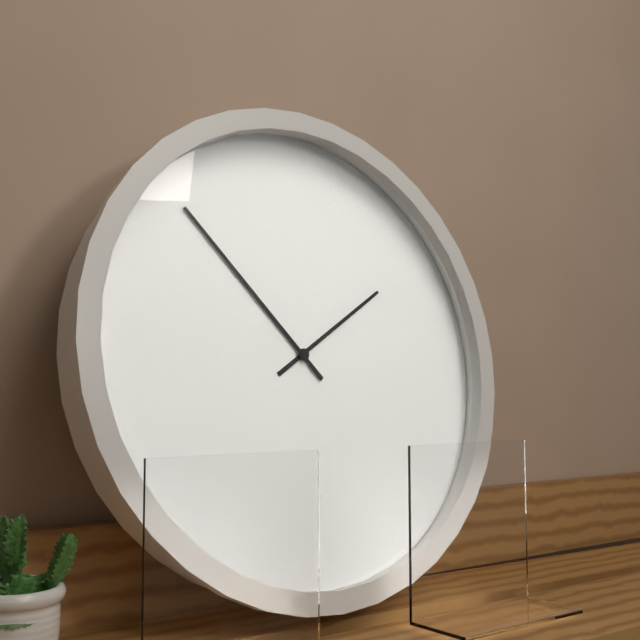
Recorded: h=1 m=53
